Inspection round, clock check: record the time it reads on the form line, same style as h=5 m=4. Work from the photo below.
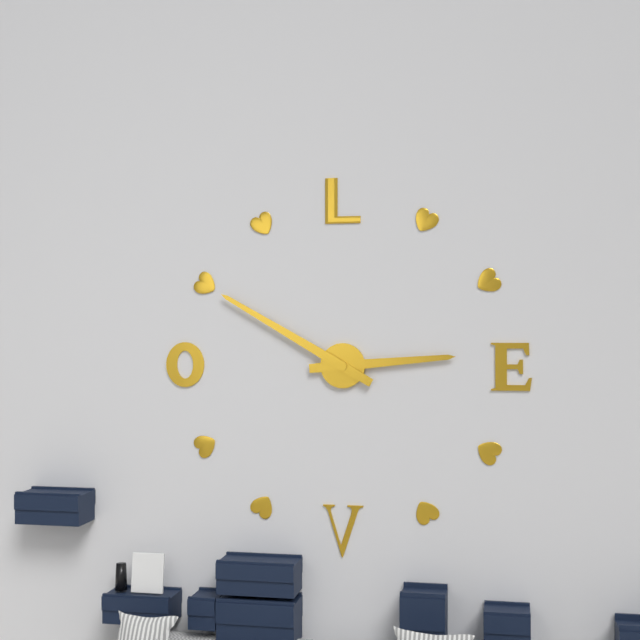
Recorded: h=2 m=50
